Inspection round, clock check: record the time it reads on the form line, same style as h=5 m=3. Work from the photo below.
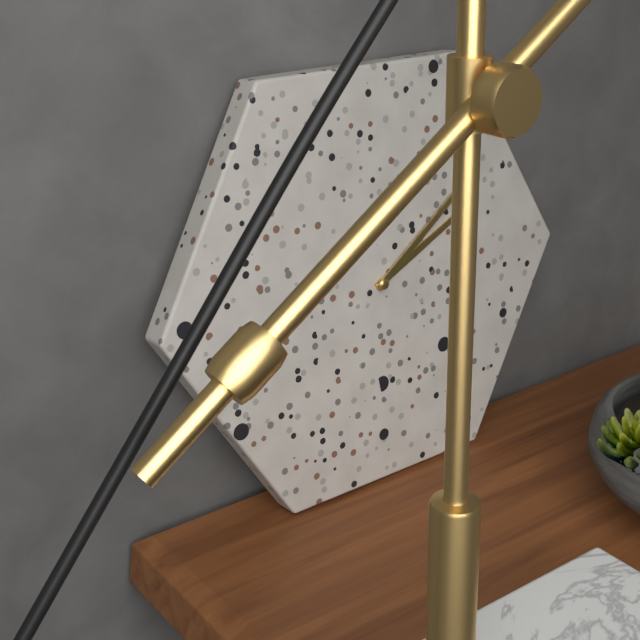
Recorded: h=2 m=9
